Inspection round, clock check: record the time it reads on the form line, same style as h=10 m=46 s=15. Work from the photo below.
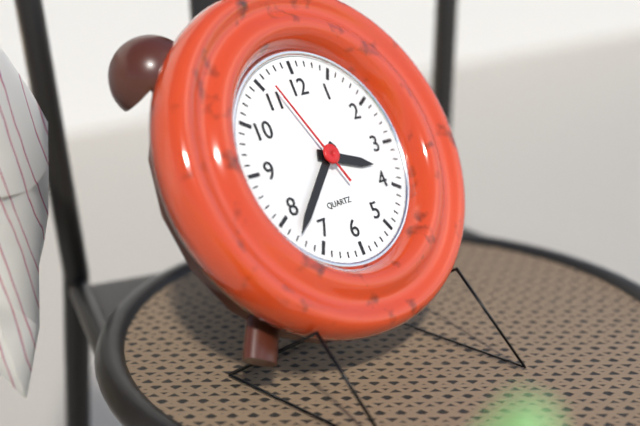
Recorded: h=3 m=38 s=56
